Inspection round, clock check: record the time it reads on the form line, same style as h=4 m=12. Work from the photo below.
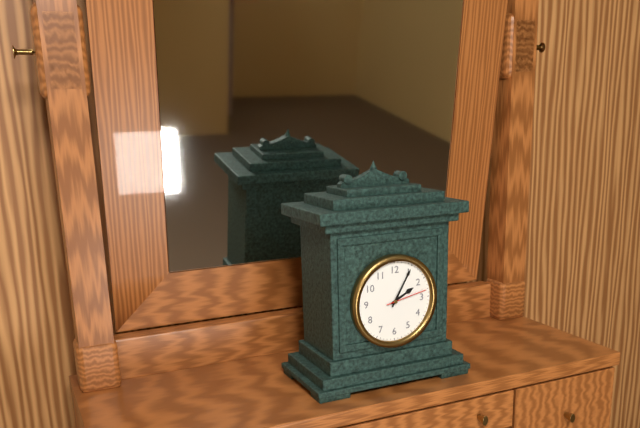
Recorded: h=2 m=5
